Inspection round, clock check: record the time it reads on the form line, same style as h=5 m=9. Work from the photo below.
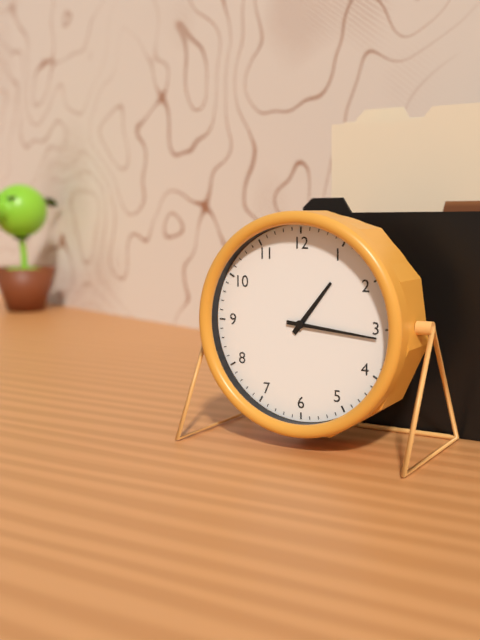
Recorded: h=1 m=16
